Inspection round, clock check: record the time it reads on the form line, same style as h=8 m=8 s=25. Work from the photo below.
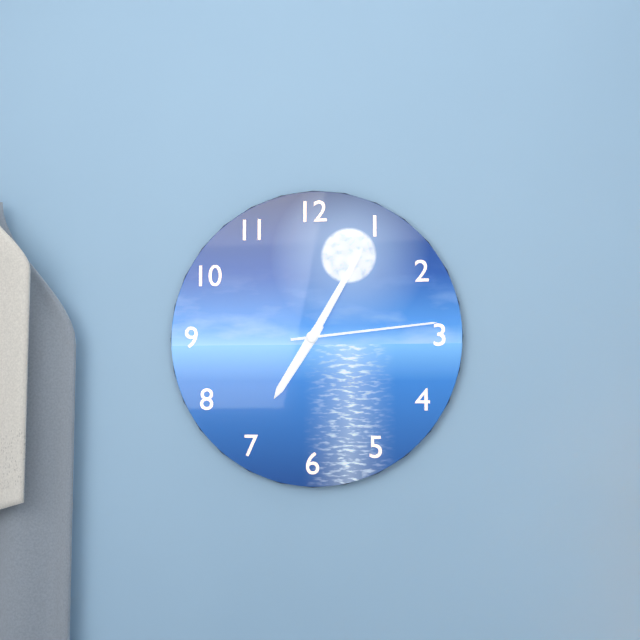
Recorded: h=7 m=5 s=14
